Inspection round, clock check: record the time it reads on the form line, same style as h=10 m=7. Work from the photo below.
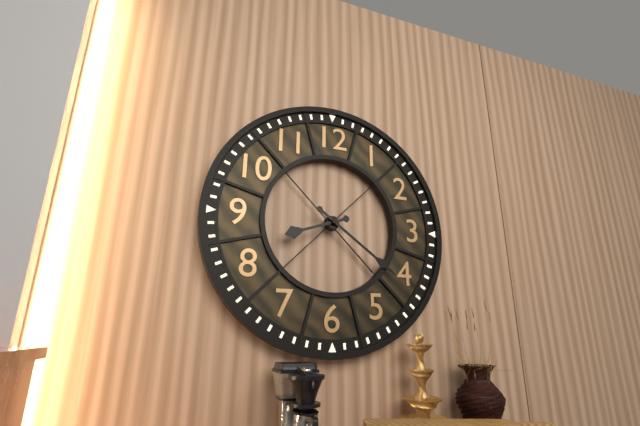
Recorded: h=8 m=21
